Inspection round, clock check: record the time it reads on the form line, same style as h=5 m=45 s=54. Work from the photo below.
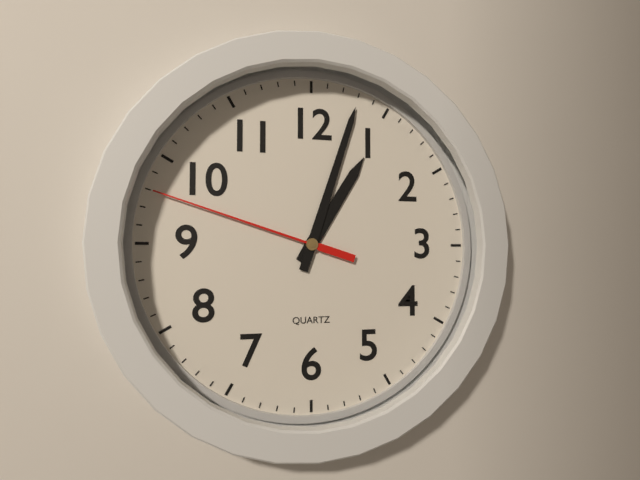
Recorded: h=1 m=3 s=48
